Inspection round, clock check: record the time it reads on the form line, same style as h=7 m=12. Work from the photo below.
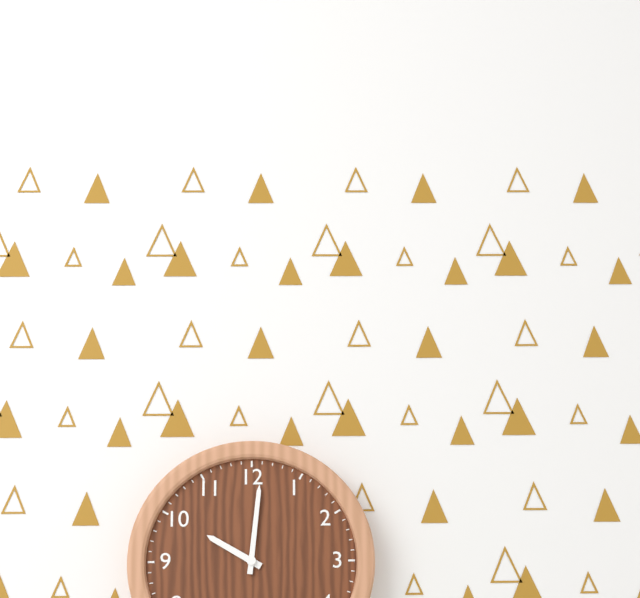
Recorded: h=10 m=1
